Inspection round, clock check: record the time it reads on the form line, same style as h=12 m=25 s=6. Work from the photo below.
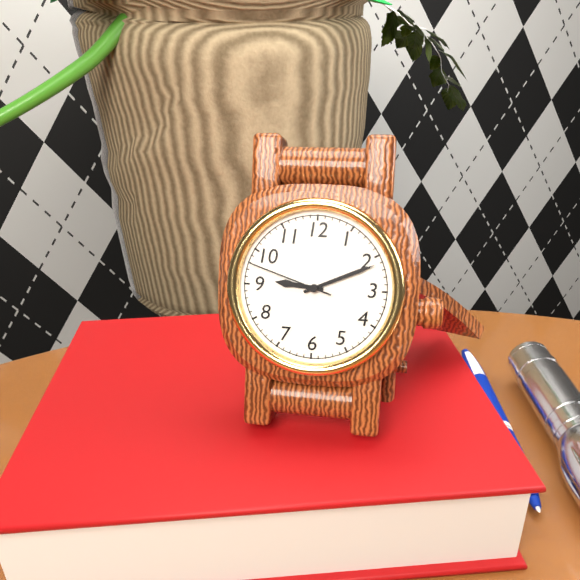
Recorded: h=9 m=11 s=48
